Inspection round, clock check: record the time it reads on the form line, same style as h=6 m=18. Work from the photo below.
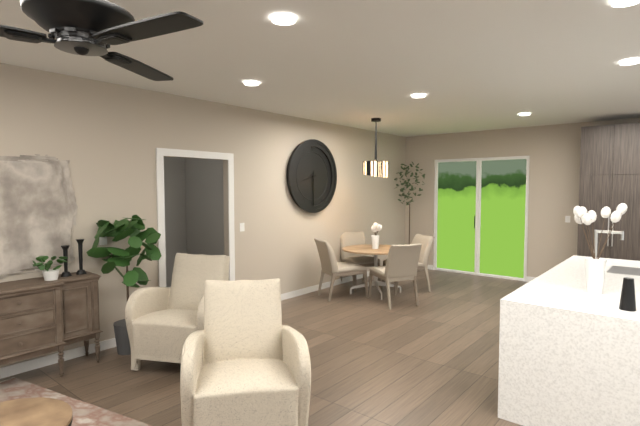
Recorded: h=8 m=30
